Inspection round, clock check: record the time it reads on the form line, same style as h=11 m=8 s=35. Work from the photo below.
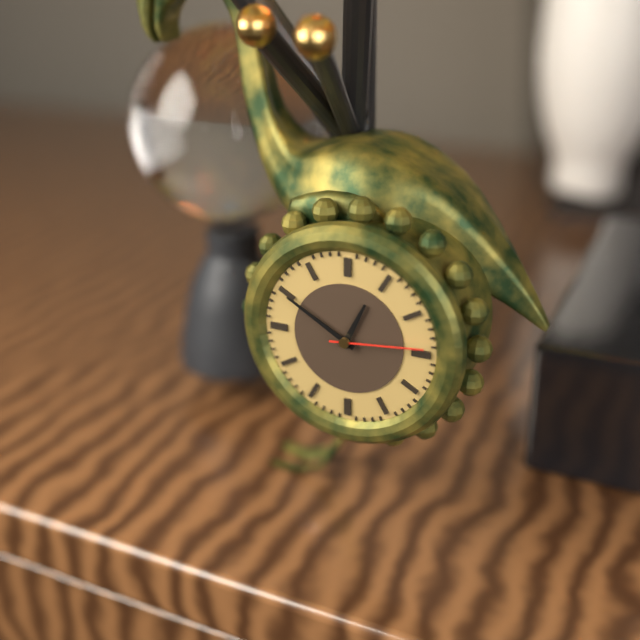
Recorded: h=12 m=50 s=14
